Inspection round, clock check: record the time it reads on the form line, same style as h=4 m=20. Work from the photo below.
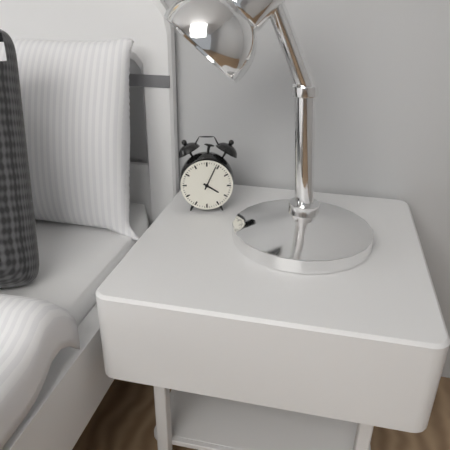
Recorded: h=4 m=4
